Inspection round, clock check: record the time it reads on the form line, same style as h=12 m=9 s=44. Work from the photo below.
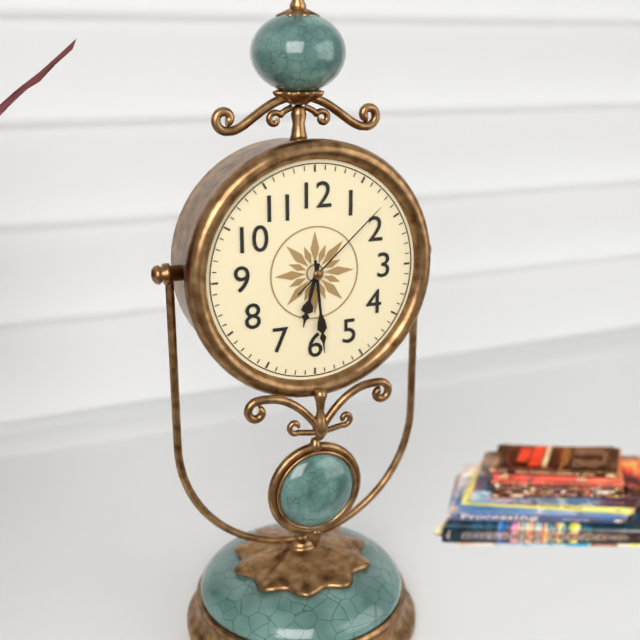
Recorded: h=6 m=29 s=8
